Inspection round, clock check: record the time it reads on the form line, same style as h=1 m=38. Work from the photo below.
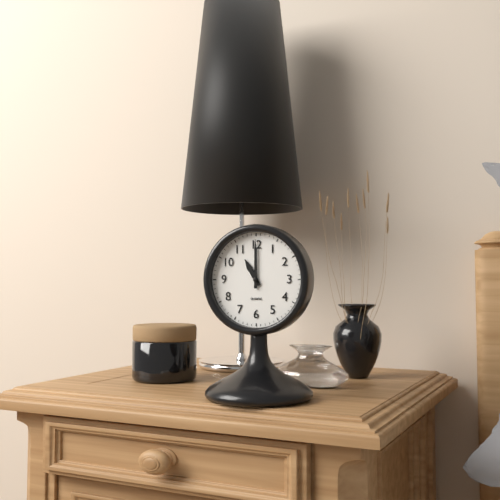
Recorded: h=11 m=0
